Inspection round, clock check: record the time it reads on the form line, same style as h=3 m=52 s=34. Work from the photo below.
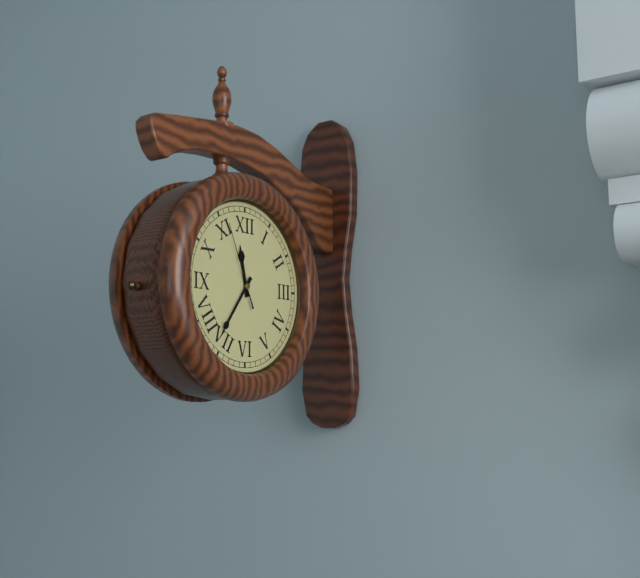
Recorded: h=11 m=36 s=56
